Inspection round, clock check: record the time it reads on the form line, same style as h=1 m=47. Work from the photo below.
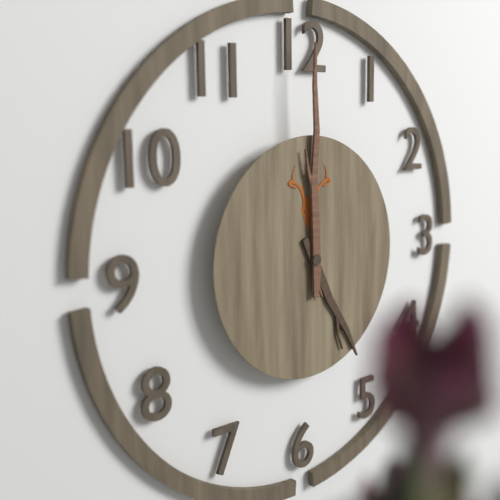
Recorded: h=5 m=0
